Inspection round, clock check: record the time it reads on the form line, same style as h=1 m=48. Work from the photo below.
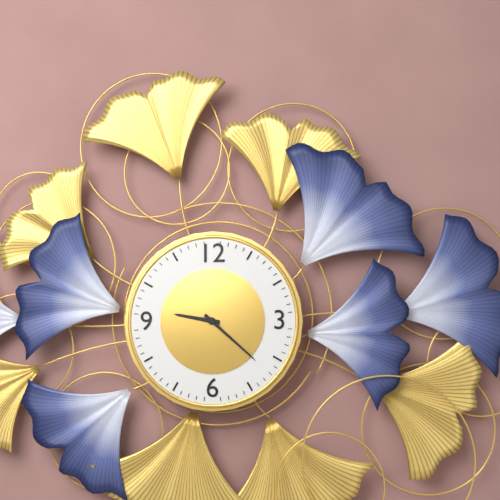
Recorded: h=9 m=22
